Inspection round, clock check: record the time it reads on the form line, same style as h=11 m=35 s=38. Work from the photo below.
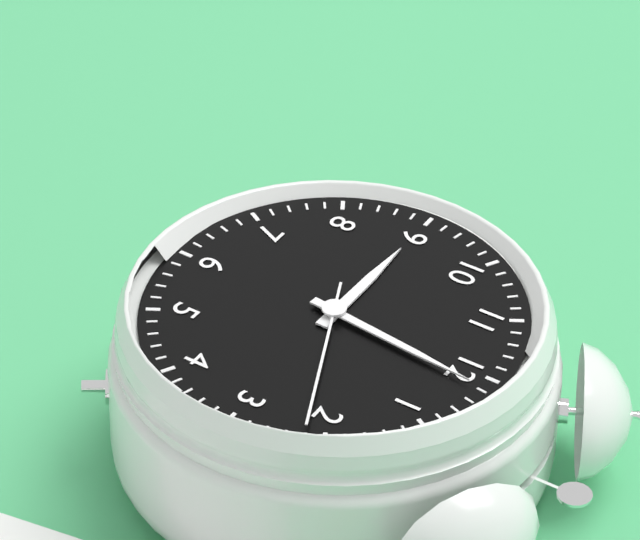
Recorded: h=9 m=1 s=11
